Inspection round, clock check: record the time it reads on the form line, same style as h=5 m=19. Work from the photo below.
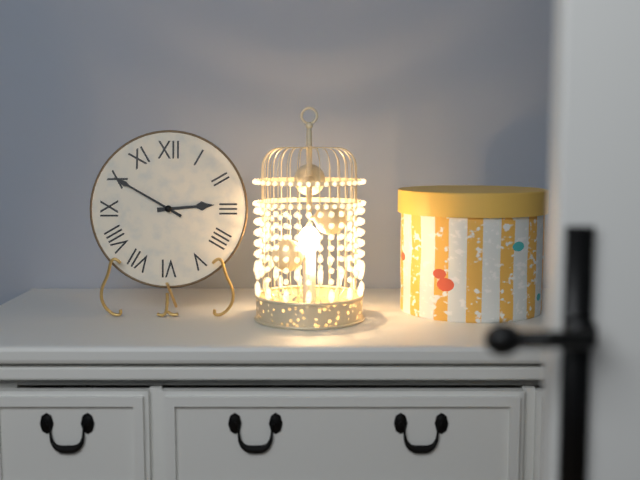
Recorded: h=2 m=50
